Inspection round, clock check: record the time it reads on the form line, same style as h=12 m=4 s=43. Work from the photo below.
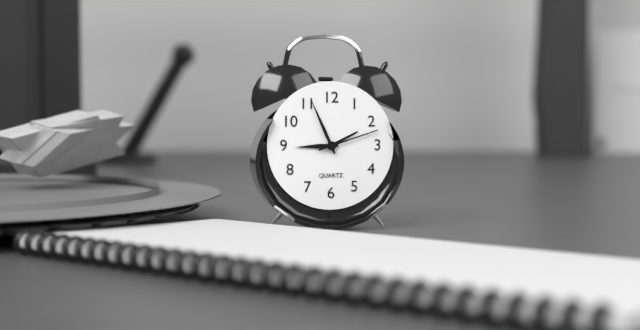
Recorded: h=8 m=56 s=12
